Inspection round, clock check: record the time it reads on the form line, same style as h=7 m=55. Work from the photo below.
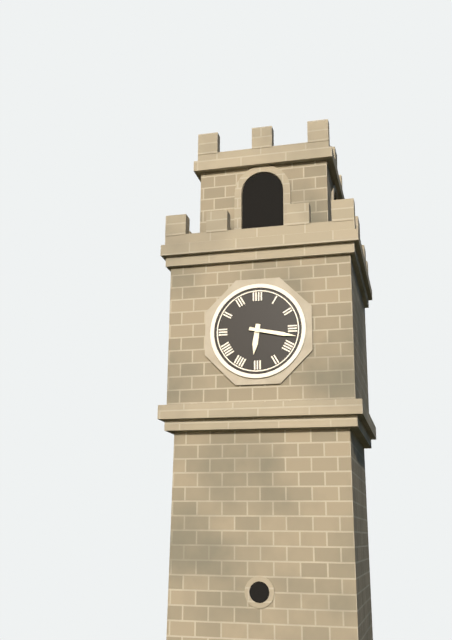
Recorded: h=6 m=17
